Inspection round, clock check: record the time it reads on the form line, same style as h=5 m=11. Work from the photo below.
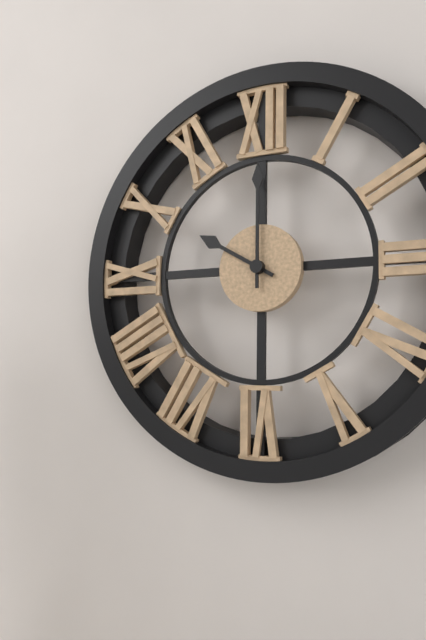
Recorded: h=10 m=0
